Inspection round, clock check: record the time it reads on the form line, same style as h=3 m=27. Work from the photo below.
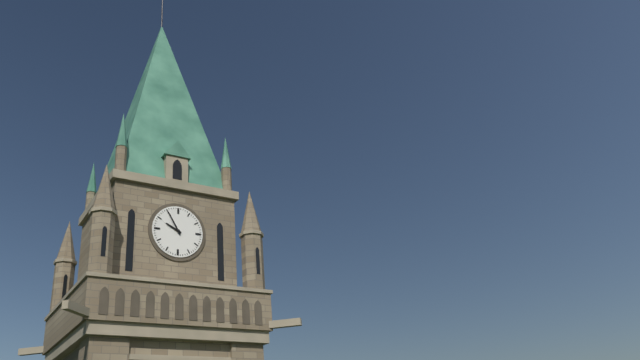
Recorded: h=9 m=55
